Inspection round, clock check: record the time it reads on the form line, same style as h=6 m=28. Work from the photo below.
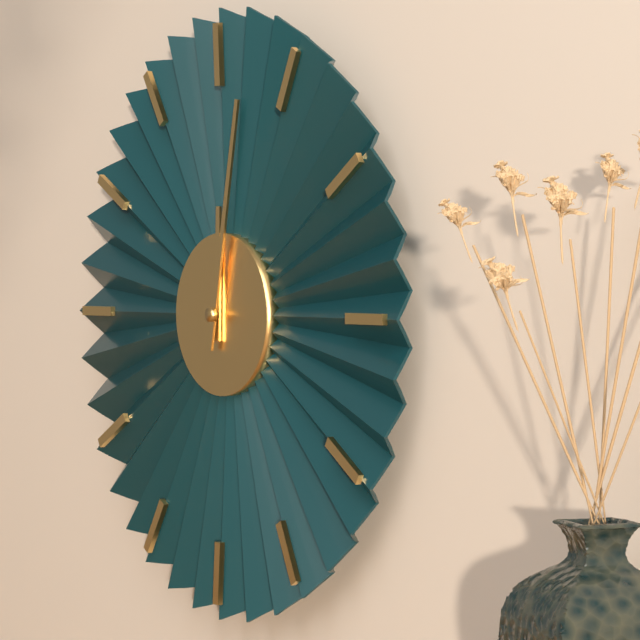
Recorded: h=12 m=2
